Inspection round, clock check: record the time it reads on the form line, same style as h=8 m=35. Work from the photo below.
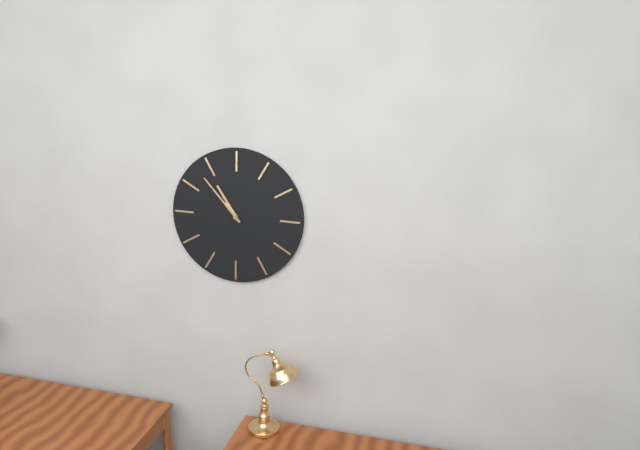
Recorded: h=10 m=53
